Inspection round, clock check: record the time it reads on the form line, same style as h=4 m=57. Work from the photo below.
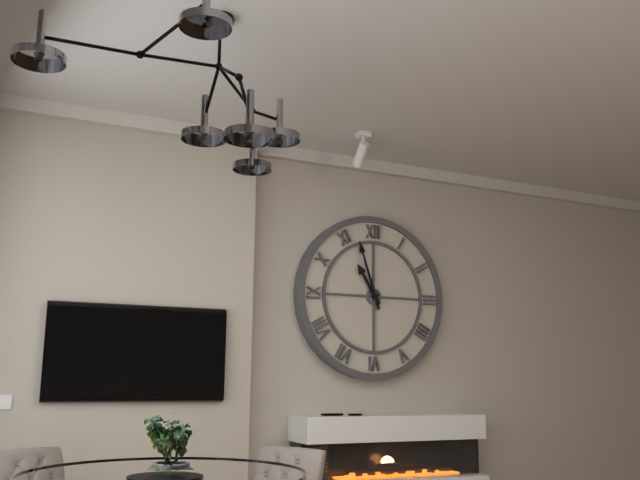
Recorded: h=10 m=57
